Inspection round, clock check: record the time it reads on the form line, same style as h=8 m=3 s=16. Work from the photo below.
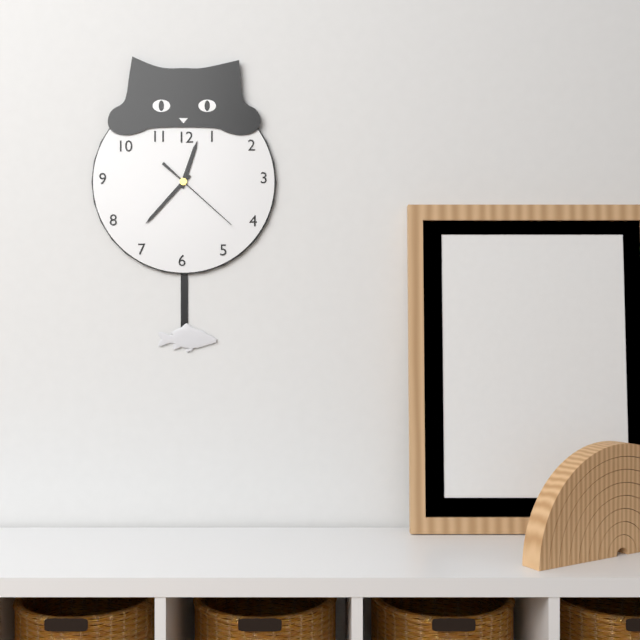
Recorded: h=12 m=37 s=22
